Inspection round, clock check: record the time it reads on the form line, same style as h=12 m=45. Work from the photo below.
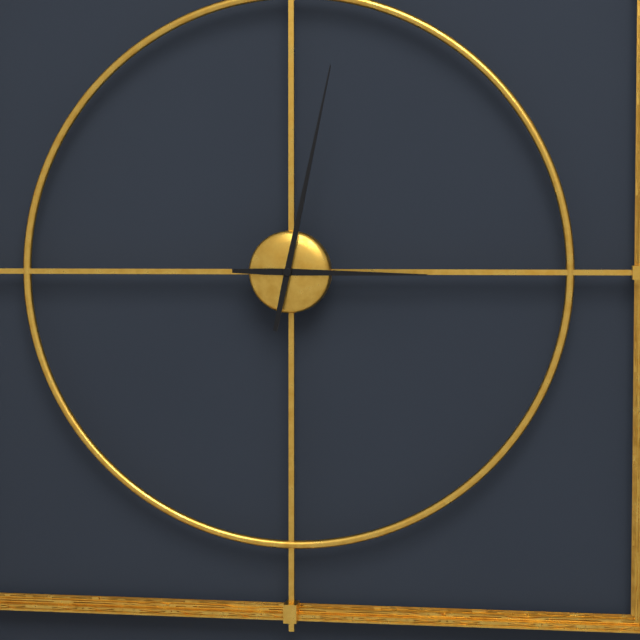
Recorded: h=3 m=2
